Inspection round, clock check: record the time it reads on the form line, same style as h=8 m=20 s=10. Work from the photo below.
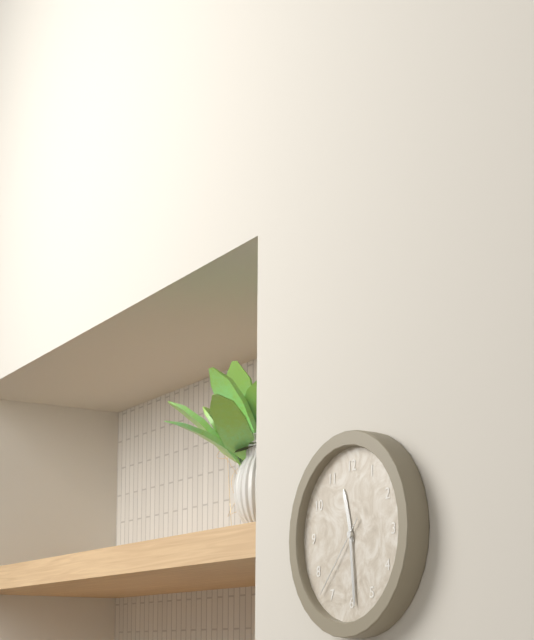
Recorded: h=11 m=29 s=37
